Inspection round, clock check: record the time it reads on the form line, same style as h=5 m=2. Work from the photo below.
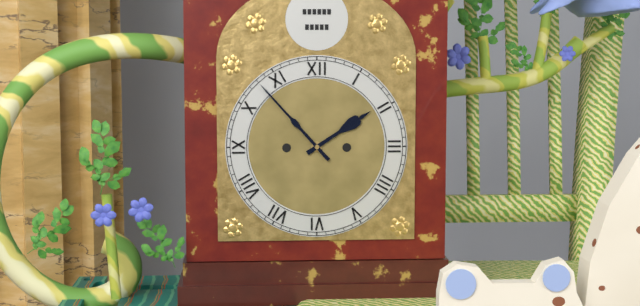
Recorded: h=1 m=53
